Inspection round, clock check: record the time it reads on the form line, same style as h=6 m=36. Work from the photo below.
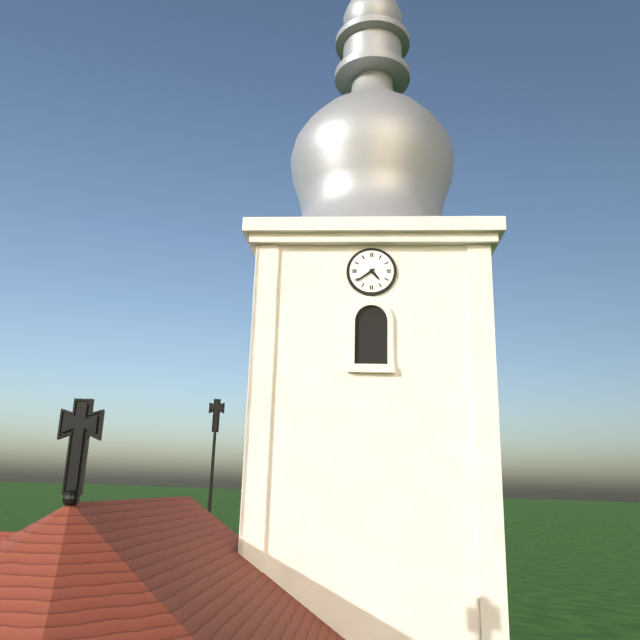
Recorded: h=4 m=39
